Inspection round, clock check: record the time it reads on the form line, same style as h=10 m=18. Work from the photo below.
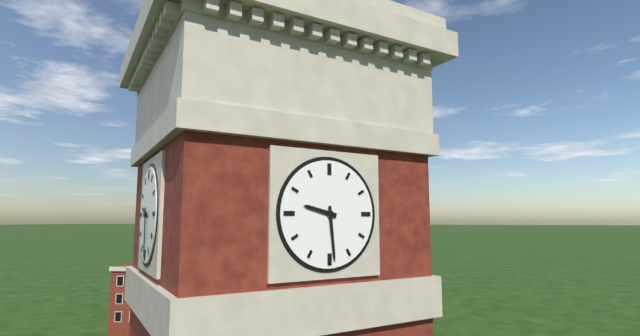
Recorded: h=9 m=29
